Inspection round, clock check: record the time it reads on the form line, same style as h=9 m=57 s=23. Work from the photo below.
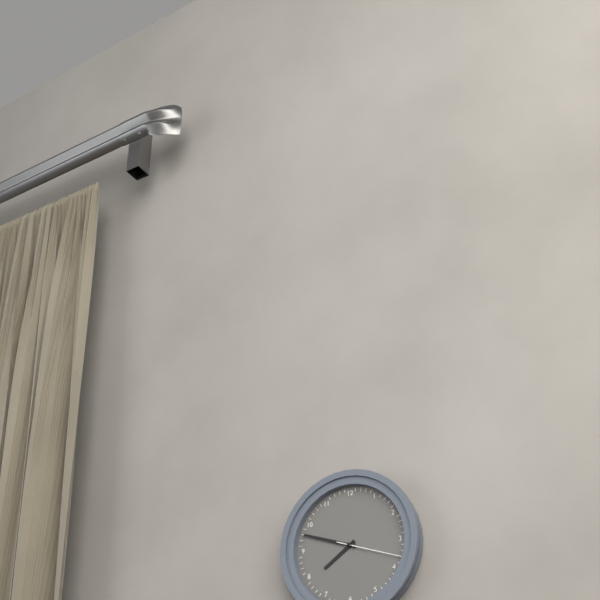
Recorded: h=7 m=48 s=18
